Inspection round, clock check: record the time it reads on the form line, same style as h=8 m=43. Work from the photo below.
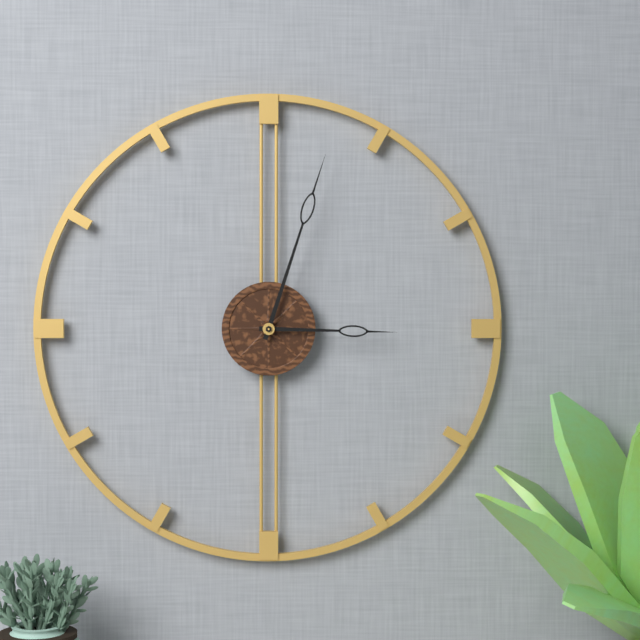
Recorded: h=3 m=3
